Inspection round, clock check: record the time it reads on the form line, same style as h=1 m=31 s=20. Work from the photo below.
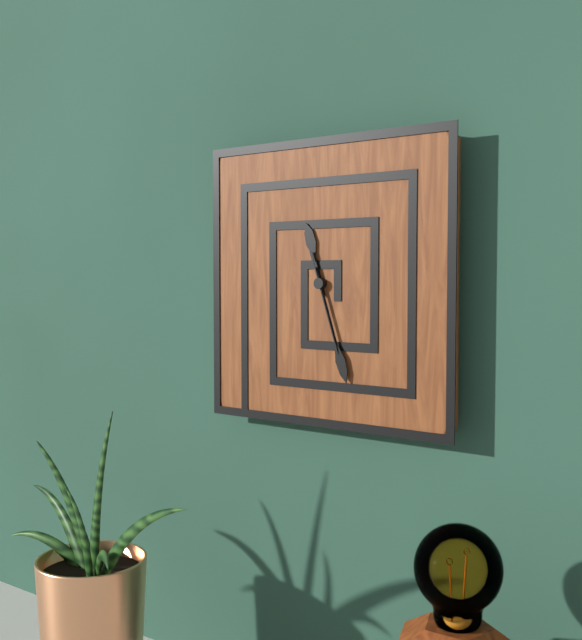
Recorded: h=11 m=27 s=27
